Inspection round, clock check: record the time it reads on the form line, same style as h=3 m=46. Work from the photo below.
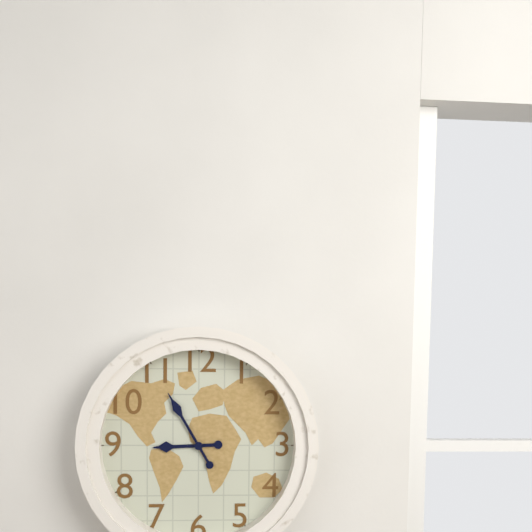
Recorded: h=8 m=55
